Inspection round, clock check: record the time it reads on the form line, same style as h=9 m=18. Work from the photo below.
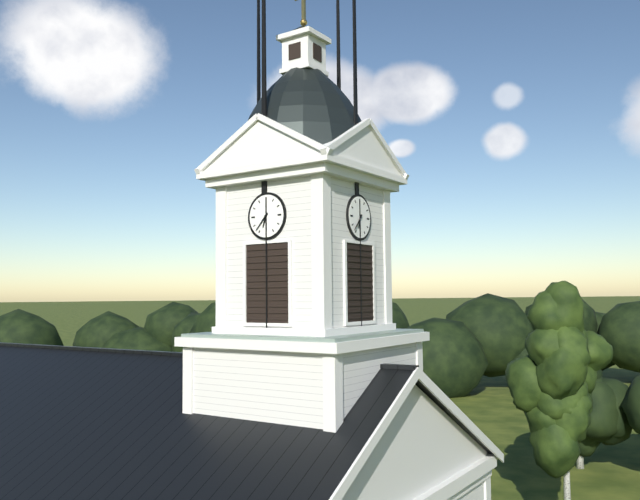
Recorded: h=6 m=37
